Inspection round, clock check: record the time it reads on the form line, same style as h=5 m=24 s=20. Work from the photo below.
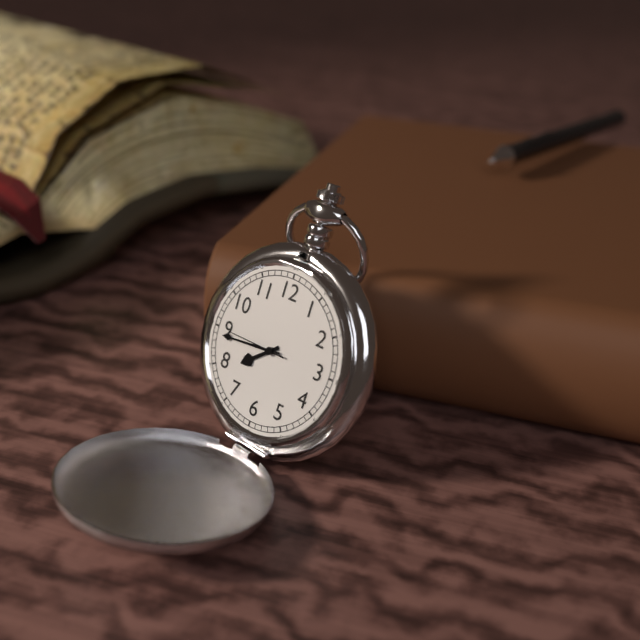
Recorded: h=7 m=44 s=45
